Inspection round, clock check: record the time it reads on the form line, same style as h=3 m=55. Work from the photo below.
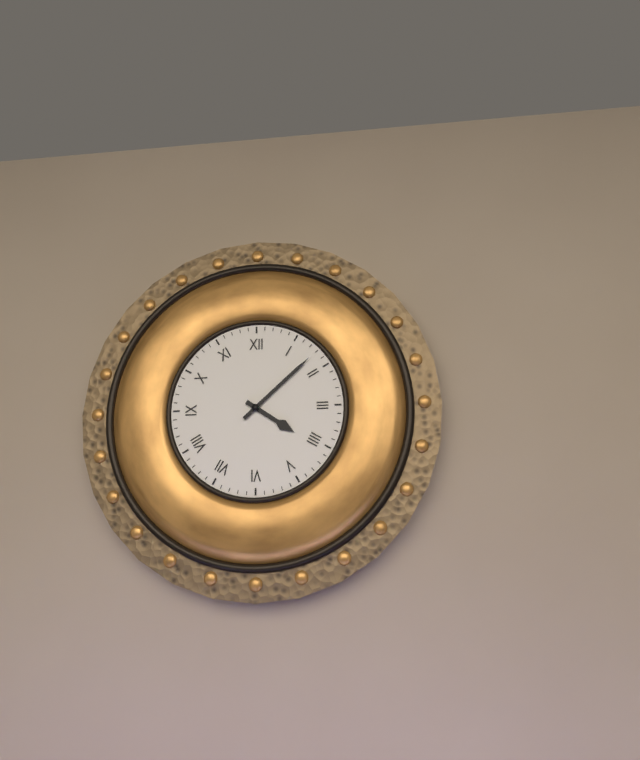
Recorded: h=4 m=8
